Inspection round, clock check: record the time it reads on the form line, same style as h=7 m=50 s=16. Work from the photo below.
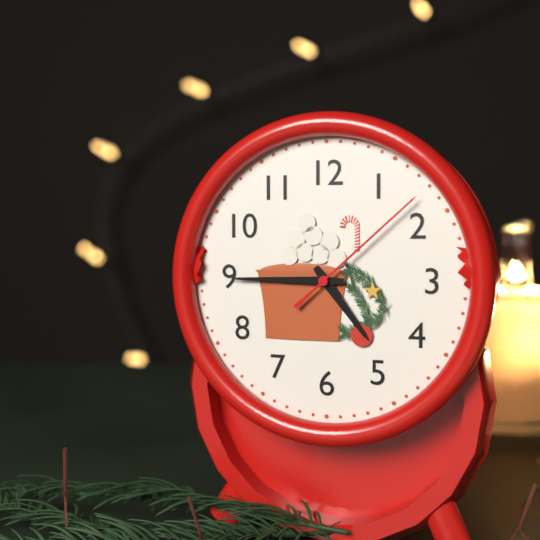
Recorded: h=4 m=45 s=8
